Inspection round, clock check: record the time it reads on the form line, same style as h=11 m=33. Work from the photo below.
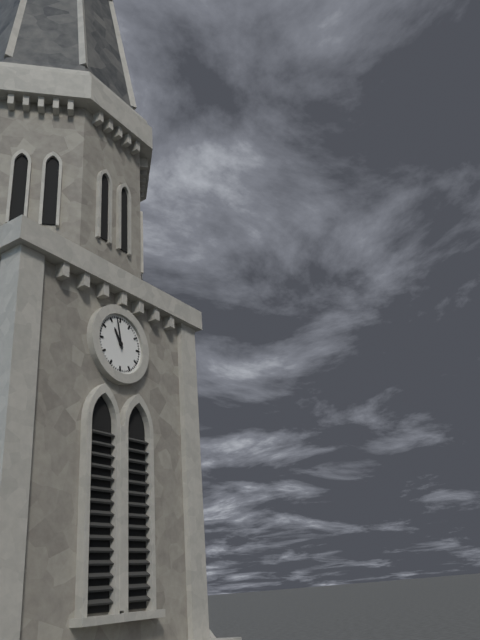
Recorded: h=10 m=58
